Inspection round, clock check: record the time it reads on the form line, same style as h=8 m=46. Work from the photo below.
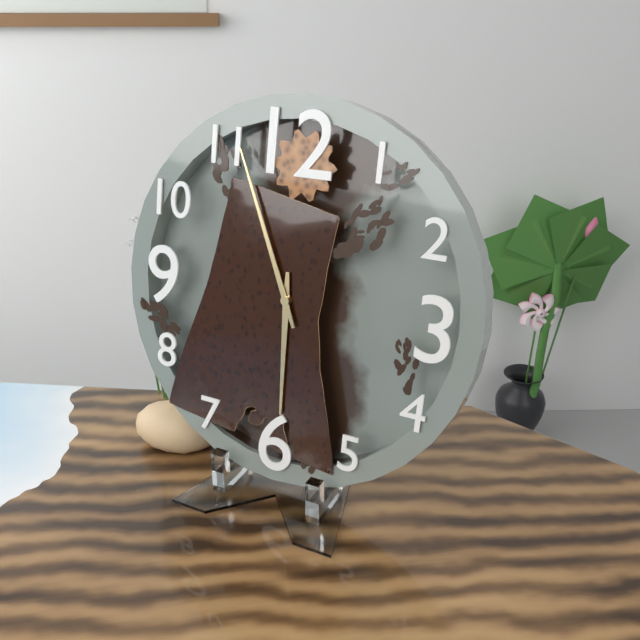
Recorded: h=5 m=56
